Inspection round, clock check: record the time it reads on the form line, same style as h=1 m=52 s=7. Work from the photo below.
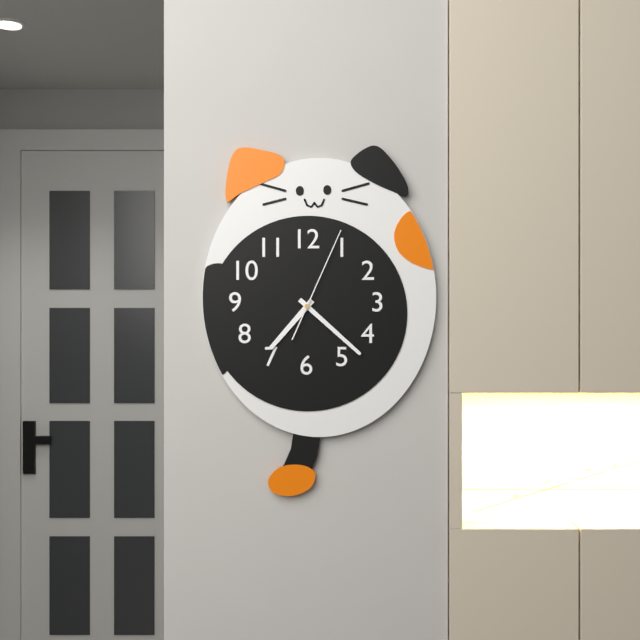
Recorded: h=7 m=22 s=4
